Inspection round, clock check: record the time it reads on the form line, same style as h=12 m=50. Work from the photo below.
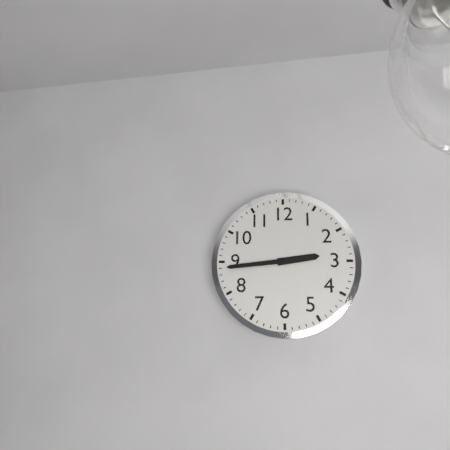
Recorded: h=2 m=44
